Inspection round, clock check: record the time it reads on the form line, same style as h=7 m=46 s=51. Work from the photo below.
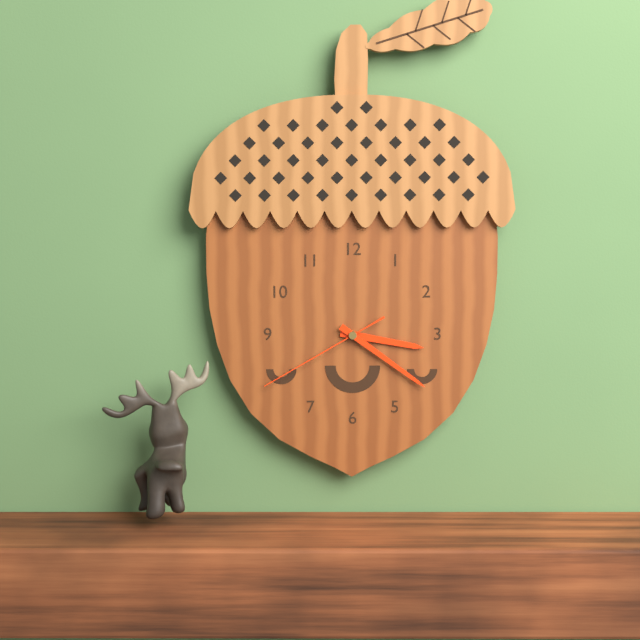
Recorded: h=3 m=21 s=40
